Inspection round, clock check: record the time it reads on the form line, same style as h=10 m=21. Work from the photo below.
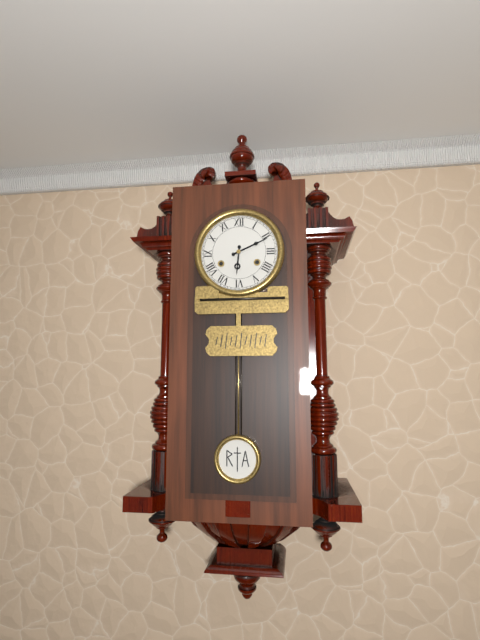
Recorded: h=6 m=11
